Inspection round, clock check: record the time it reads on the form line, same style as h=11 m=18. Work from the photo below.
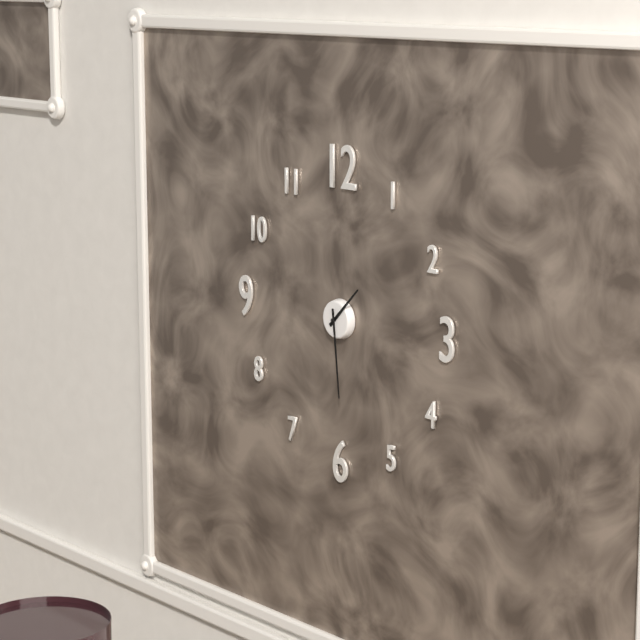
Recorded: h=1 m=29
